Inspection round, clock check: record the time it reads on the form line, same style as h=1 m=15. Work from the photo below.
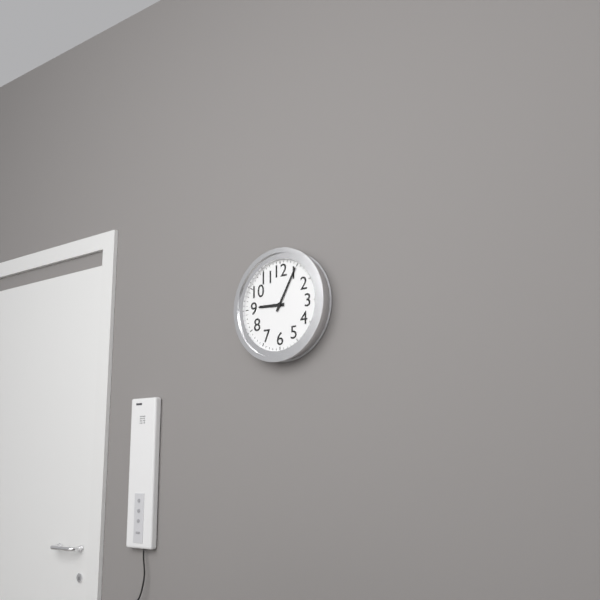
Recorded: h=9 m=5
